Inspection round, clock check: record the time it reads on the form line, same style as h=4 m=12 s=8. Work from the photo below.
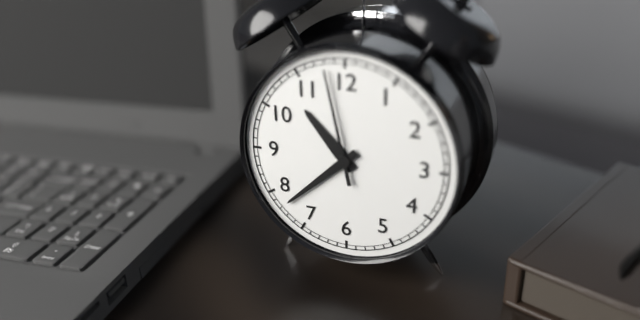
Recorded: h=10 m=38 s=58
